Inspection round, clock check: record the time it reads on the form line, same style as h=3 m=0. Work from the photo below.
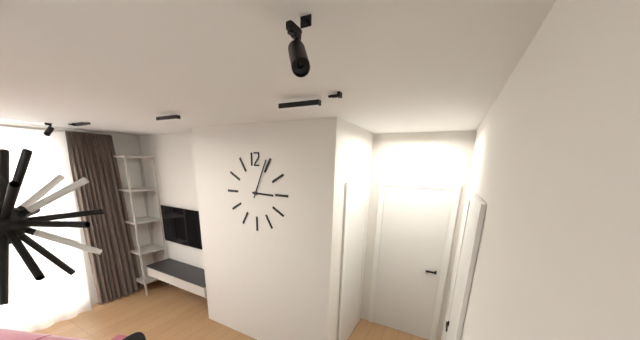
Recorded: h=3 m=4
